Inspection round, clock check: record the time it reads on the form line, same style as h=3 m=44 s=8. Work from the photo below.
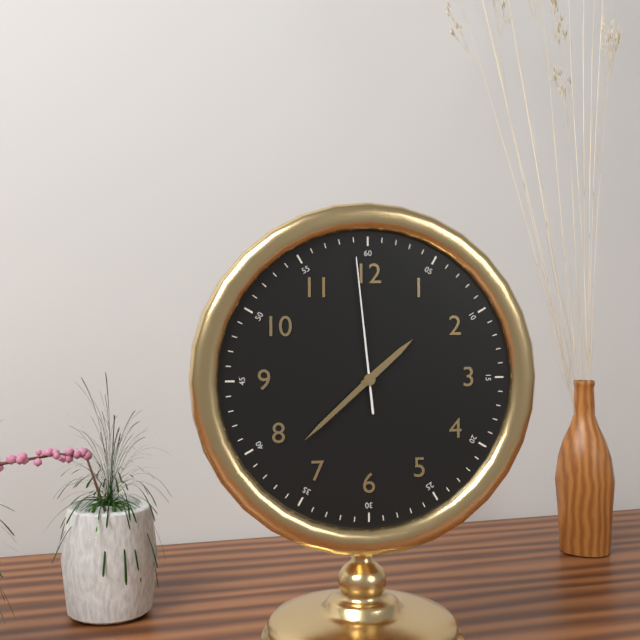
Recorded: h=1 m=38 s=59
